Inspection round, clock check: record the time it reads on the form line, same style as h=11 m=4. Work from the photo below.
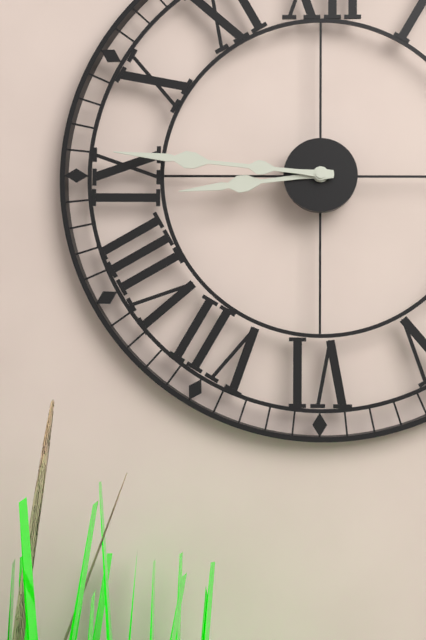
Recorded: h=8 m=46
